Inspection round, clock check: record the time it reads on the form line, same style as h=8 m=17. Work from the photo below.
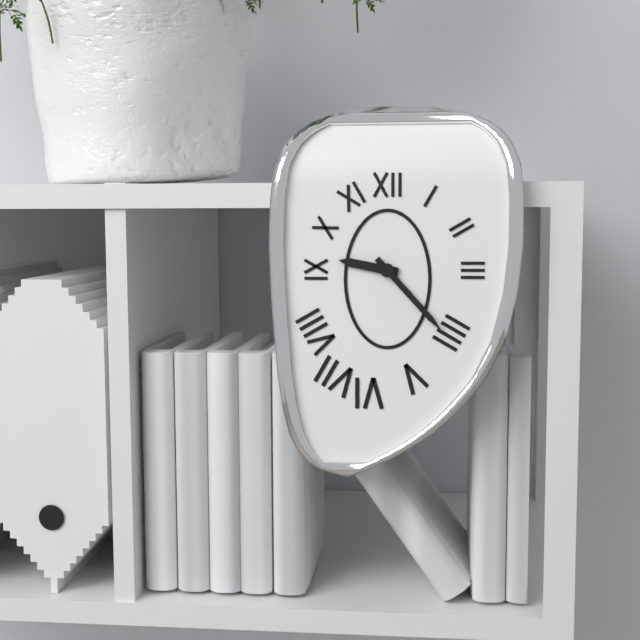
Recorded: h=9 m=23
